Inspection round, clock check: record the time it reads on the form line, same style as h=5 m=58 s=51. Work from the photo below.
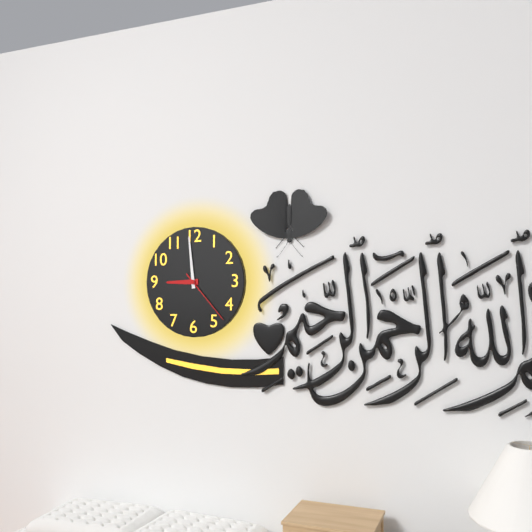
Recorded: h=8 m=59 s=23
